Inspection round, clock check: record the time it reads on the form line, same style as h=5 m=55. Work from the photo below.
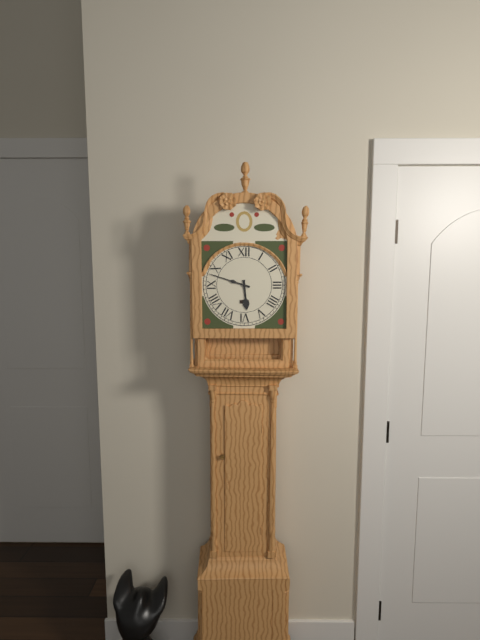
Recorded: h=5 m=48
